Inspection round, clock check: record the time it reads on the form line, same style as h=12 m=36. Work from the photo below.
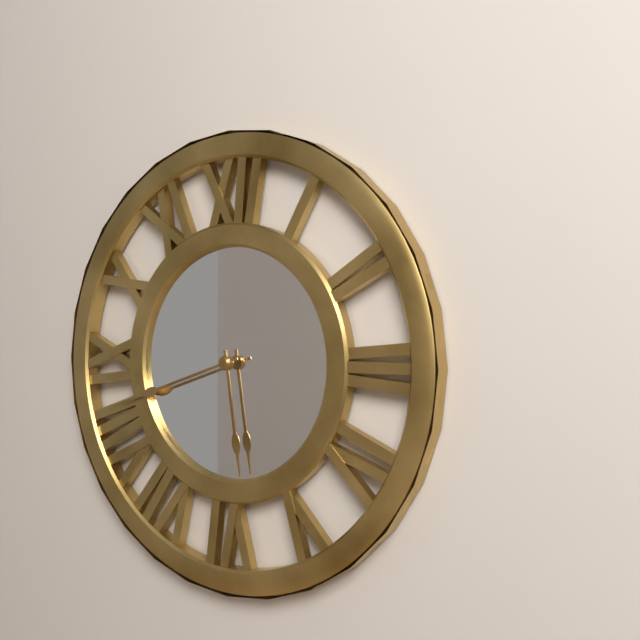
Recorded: h=5 m=42
